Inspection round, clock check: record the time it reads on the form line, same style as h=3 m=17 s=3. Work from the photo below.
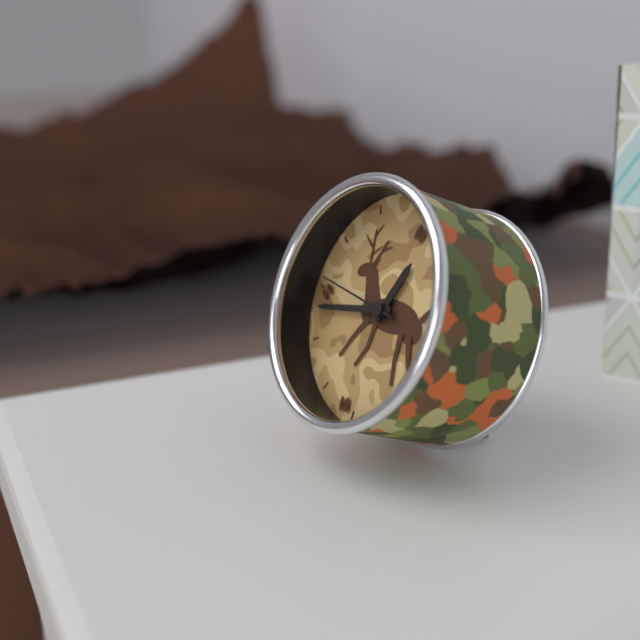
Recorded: h=12 m=43 s=46
